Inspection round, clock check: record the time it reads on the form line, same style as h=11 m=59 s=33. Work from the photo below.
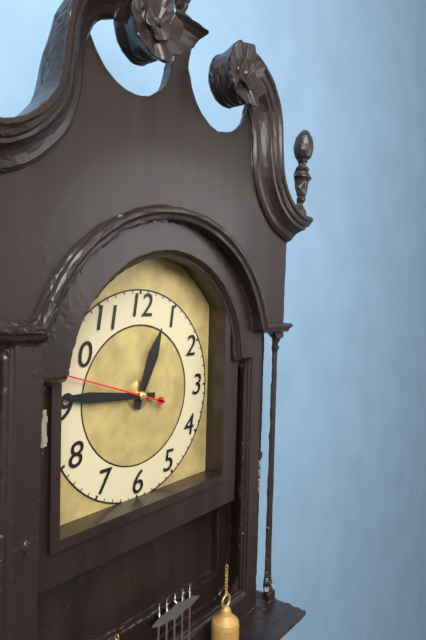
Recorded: h=12 m=46 s=48
